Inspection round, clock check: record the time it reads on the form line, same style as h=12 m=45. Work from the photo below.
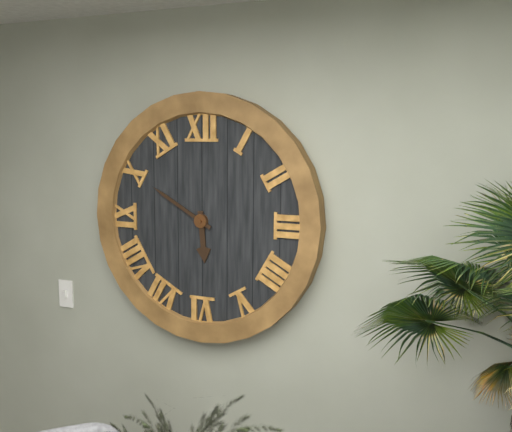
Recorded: h=5 m=50
